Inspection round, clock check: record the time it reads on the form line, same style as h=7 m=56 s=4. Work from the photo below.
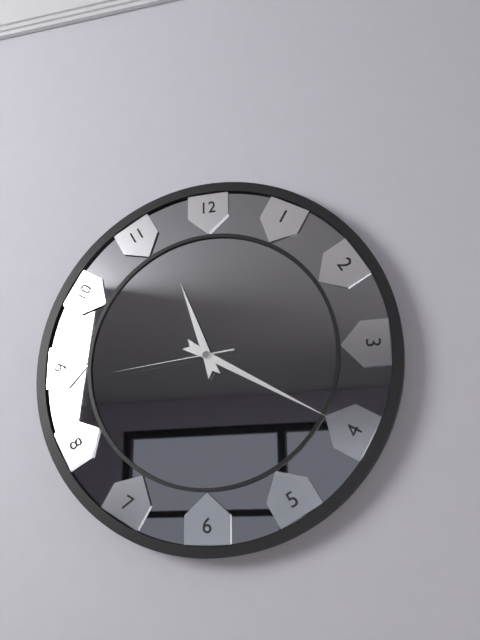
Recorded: h=11 m=20 s=44
